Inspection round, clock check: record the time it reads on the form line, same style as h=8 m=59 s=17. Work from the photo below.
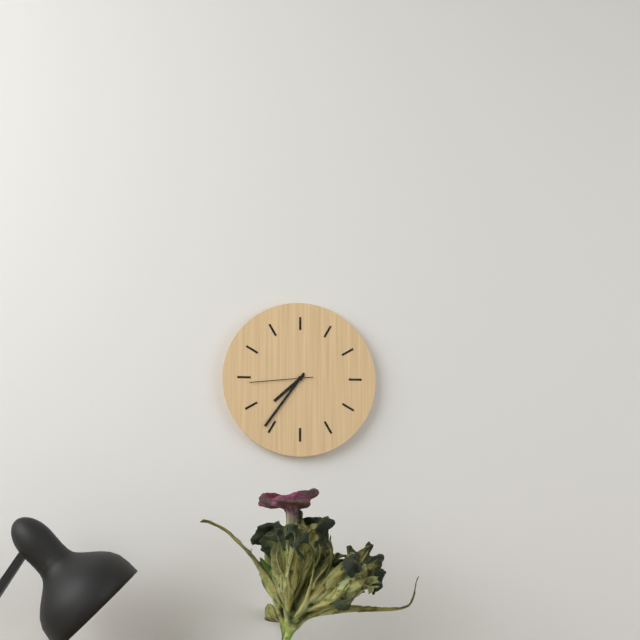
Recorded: h=7 m=36 s=44
